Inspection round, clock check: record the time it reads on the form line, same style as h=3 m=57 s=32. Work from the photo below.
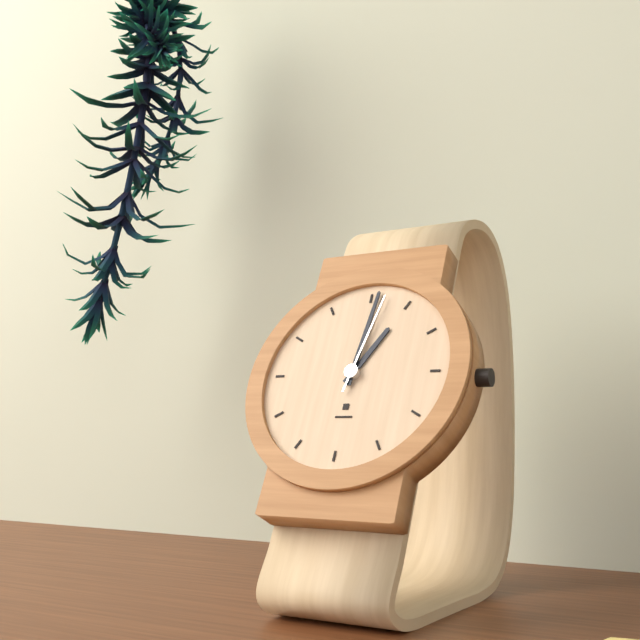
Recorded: h=1 m=1 s=2
